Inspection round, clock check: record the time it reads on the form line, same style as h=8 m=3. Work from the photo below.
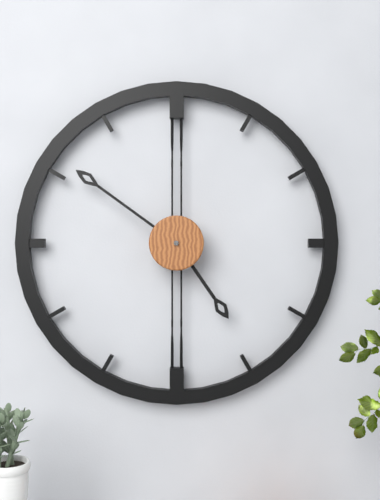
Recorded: h=4 m=51
